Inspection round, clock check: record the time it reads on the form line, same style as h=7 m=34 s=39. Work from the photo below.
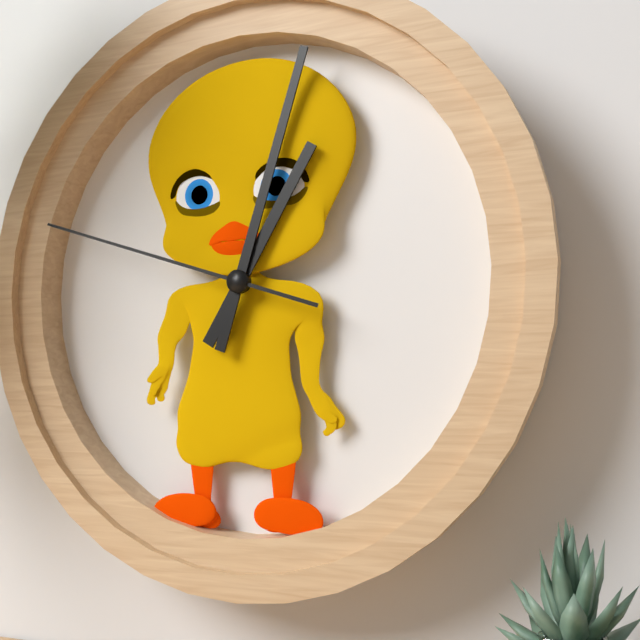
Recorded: h=1 m=3 s=48
